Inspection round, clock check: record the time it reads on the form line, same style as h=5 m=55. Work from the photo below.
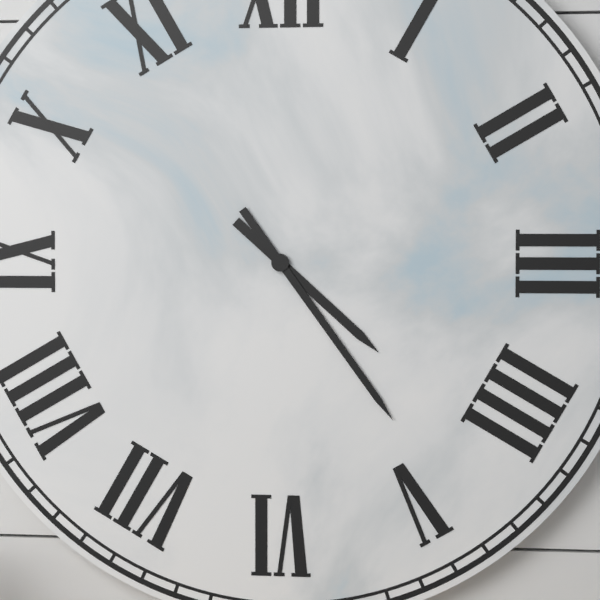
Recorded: h=4 m=24
